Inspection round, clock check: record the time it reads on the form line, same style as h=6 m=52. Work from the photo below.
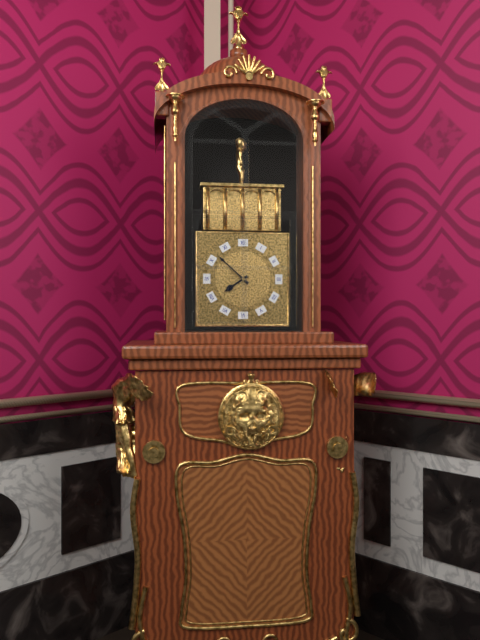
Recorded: h=7 m=52
